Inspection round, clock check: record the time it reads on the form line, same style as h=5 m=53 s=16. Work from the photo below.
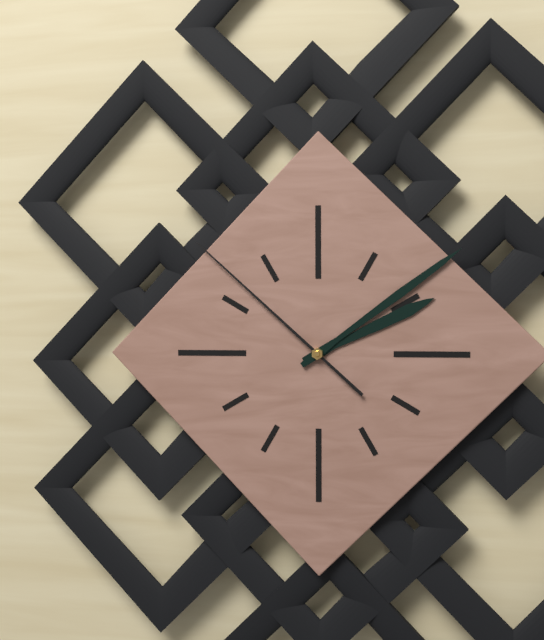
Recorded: h=2 m=9 s=52
